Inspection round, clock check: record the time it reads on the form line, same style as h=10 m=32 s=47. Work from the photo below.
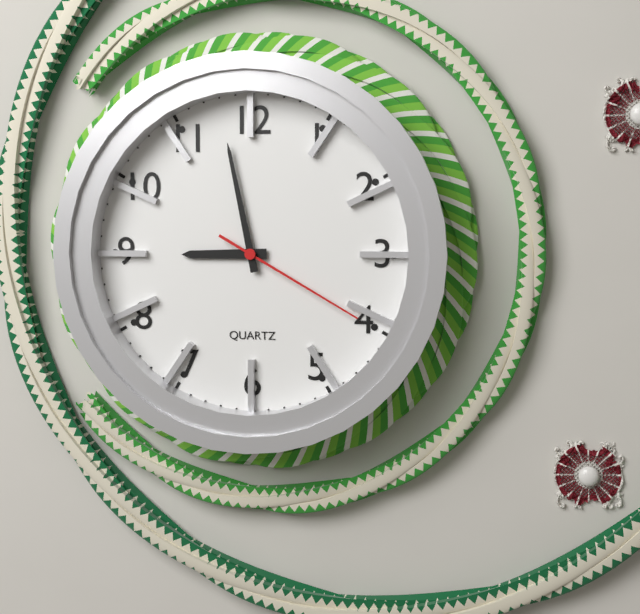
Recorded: h=8 m=58 s=20
